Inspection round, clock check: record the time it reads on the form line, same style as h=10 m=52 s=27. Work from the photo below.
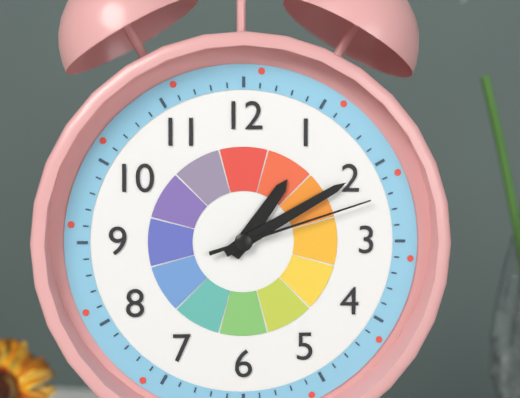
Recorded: h=1 m=10 s=12
